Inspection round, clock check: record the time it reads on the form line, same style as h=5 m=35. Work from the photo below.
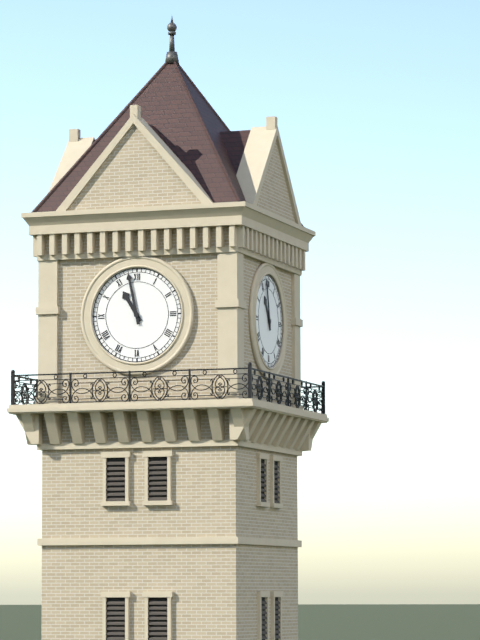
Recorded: h=10 m=58
